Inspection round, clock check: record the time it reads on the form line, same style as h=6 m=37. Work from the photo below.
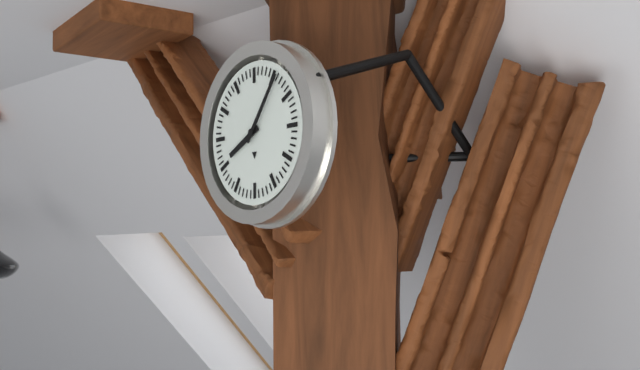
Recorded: h=8 m=6
